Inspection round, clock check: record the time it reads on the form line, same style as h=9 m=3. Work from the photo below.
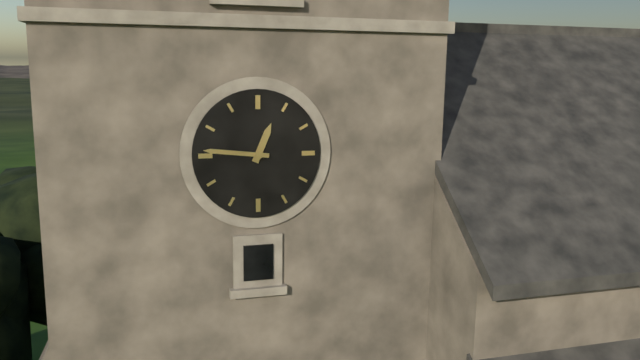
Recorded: h=12 m=46
